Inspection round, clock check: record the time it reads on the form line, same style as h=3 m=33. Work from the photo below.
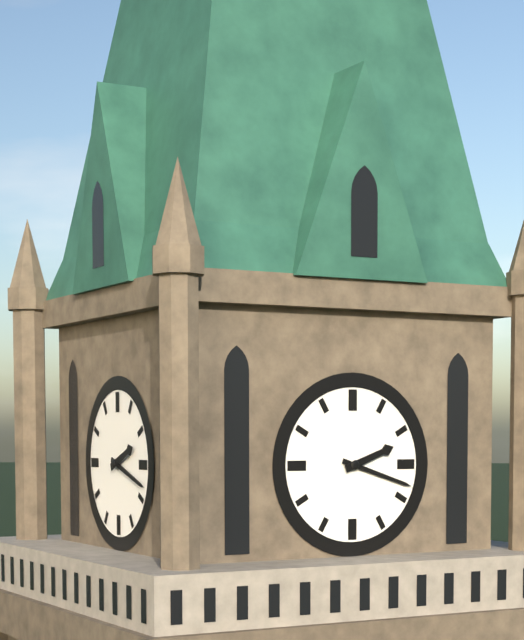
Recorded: h=2 m=18
